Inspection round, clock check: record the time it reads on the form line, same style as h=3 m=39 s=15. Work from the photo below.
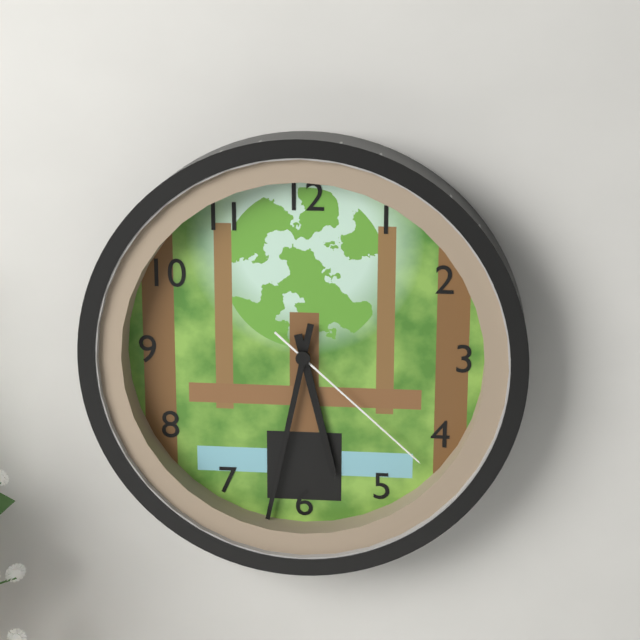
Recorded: h=5 m=32 s=22
